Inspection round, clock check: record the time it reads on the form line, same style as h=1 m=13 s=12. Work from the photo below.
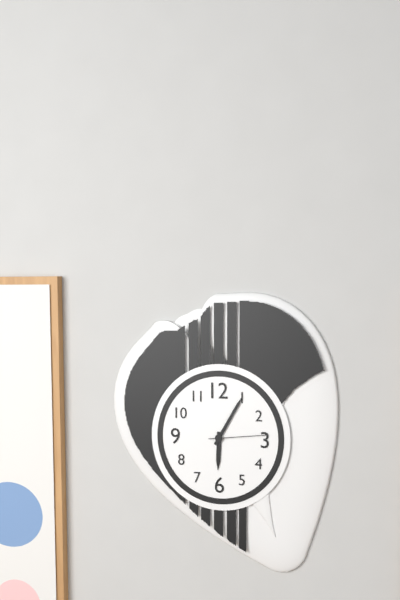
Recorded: h=6 m=5 s=14
